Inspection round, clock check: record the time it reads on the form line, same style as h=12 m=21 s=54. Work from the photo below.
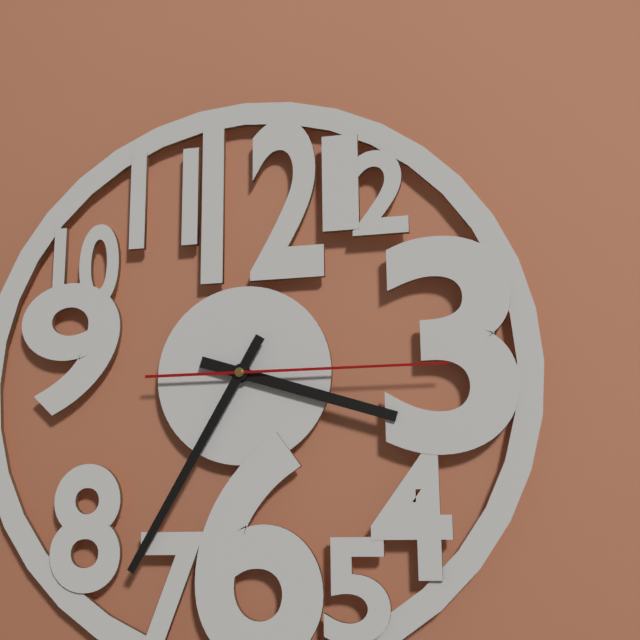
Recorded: h=3 m=35 s=15
